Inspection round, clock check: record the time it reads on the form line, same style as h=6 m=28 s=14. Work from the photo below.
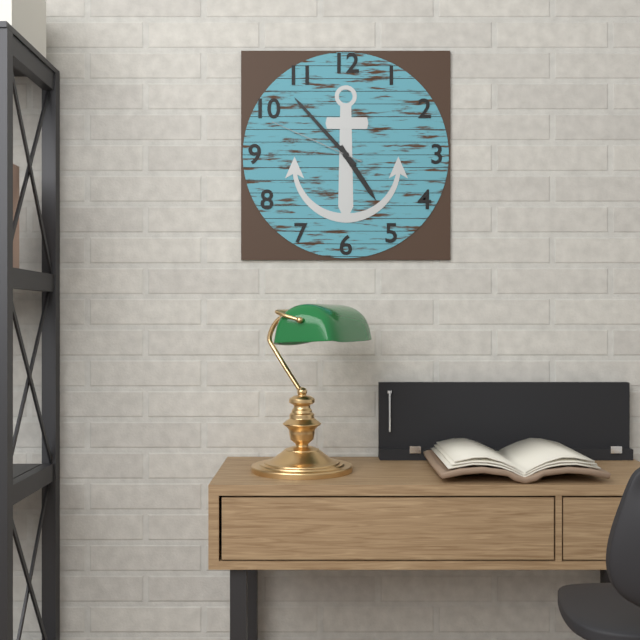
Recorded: h=4 m=53 s=49
